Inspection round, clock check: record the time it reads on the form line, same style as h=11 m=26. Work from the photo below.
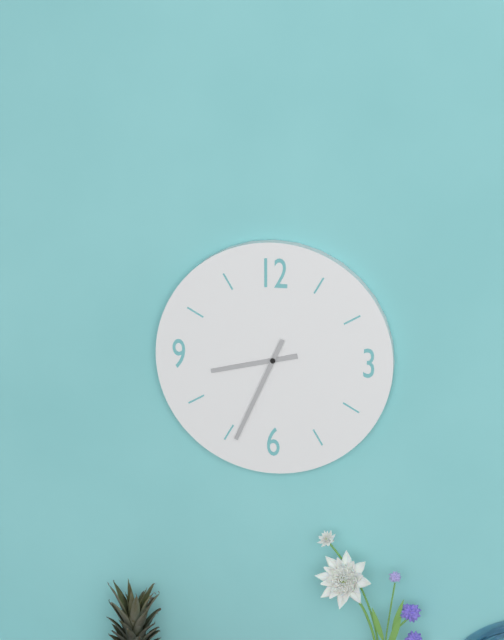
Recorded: h=8 m=34
